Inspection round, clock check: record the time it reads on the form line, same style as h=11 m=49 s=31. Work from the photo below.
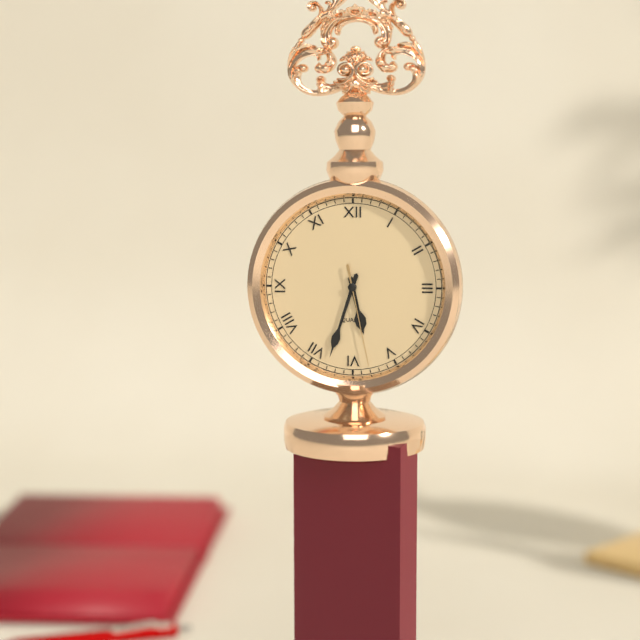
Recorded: h=5 m=33 s=28
